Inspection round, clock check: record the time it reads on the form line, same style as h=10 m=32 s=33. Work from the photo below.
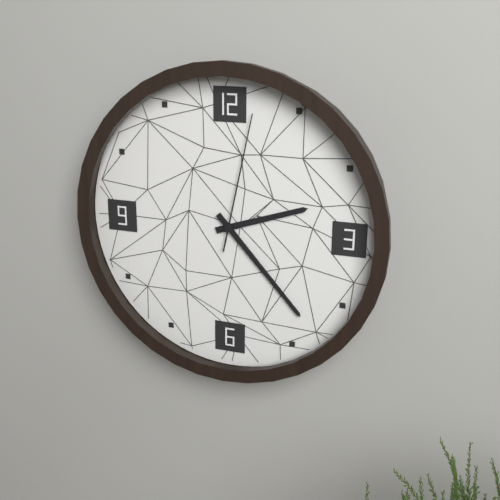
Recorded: h=2 m=23 s=2
